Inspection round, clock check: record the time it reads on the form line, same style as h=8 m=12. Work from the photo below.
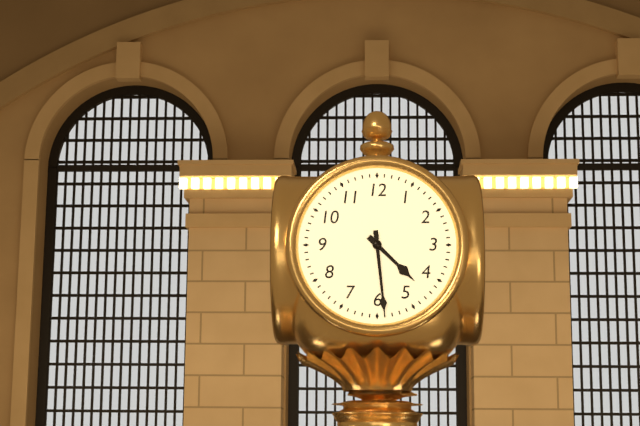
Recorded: h=4 m=29
